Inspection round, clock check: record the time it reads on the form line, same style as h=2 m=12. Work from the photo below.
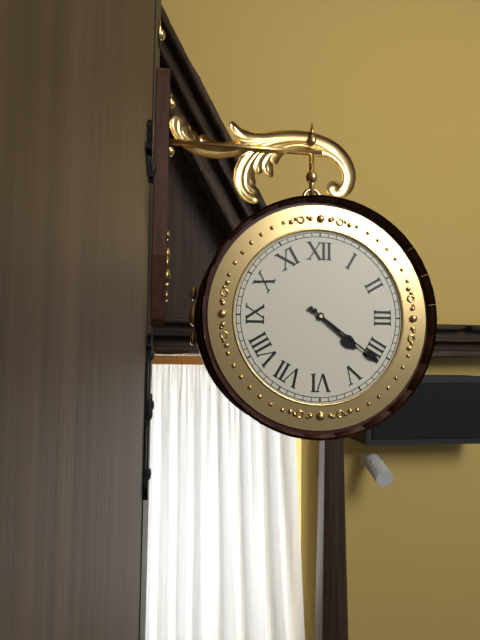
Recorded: h=4 m=21
